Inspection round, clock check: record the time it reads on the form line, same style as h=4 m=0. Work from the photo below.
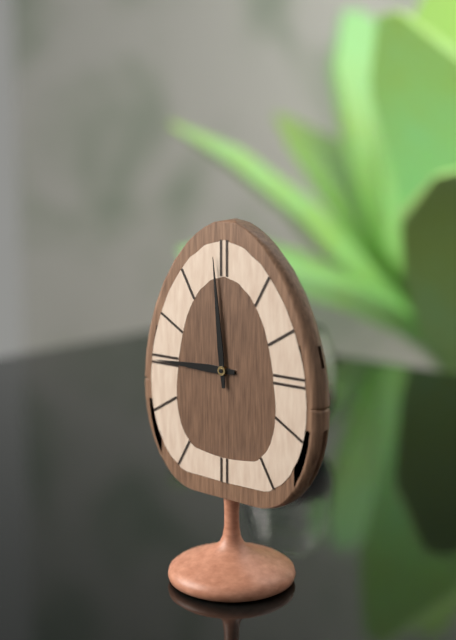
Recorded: h=8 m=59
